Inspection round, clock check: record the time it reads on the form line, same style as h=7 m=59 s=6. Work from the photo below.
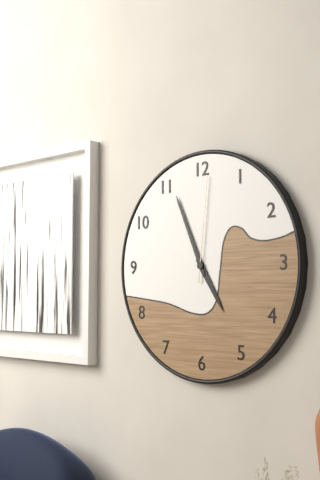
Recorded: h=4 m=56 s=1
